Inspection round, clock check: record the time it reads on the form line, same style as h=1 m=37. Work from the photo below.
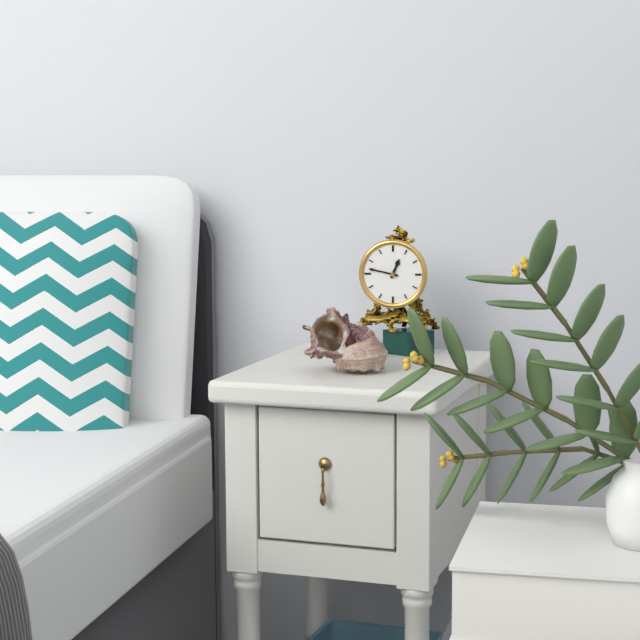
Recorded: h=12 m=47
